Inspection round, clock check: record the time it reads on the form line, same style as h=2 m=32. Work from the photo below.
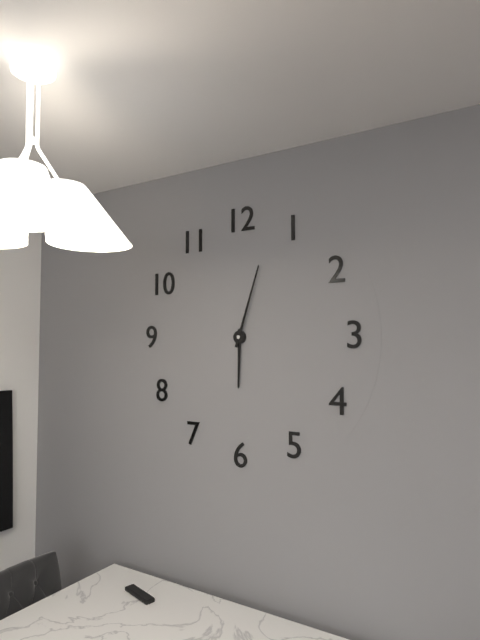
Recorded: h=6 m=3
